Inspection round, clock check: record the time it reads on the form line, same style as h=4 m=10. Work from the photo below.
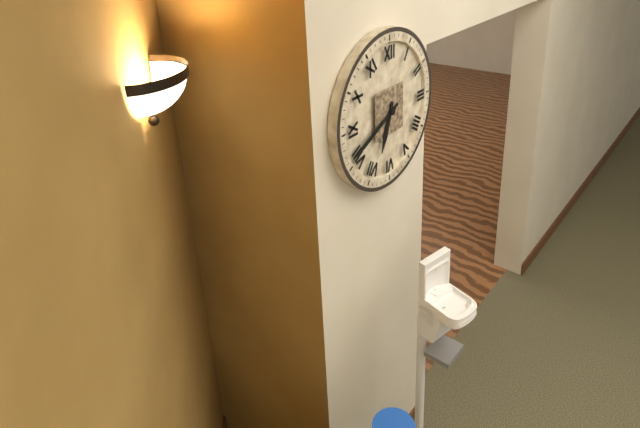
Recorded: h=6 m=41
